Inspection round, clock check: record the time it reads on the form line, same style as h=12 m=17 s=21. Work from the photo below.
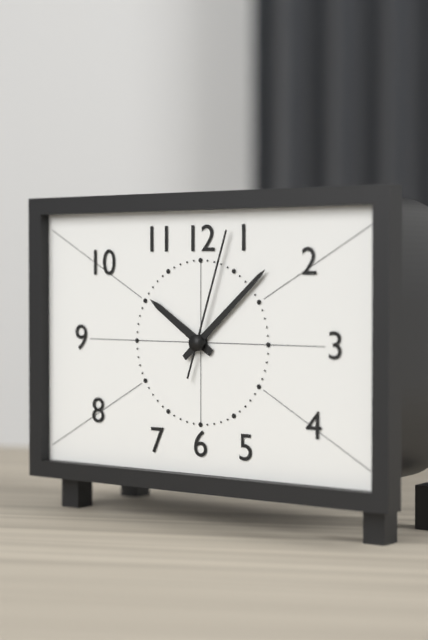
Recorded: h=10 m=8 s=3
